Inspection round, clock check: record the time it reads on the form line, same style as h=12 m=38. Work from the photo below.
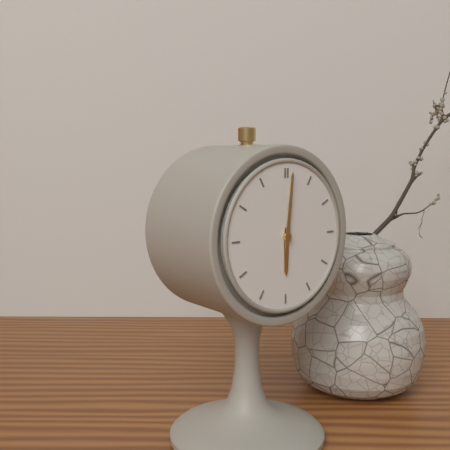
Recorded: h=6 m=1
